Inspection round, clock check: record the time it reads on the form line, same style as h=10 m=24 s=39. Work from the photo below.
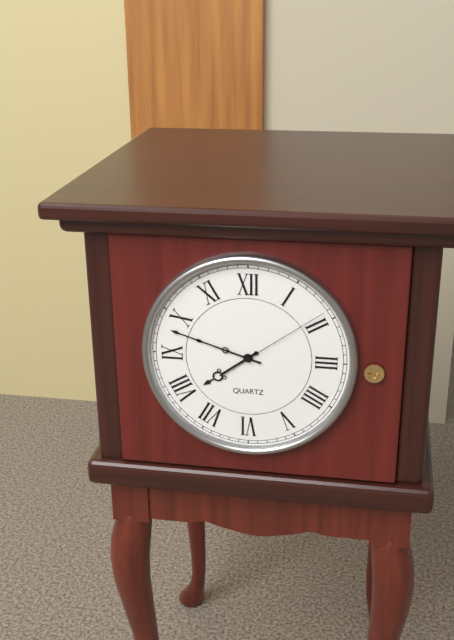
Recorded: h=7 m=48 s=9
